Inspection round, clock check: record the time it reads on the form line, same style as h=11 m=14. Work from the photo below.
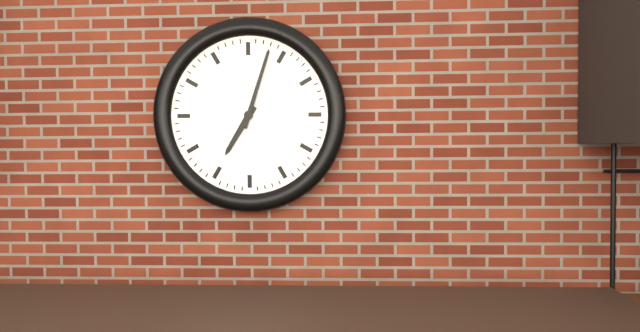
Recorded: h=7 m=3
